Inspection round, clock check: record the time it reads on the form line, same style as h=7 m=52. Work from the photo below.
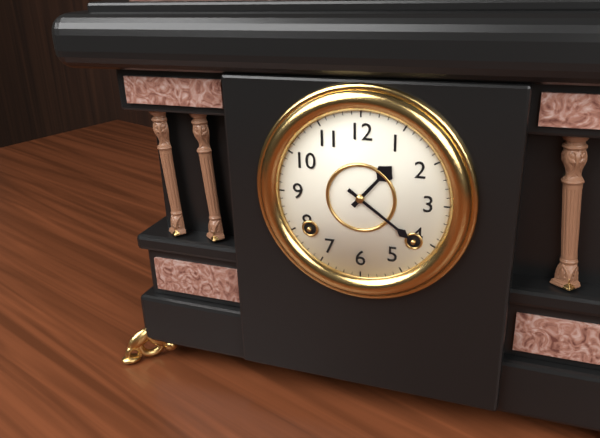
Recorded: h=1 m=21
